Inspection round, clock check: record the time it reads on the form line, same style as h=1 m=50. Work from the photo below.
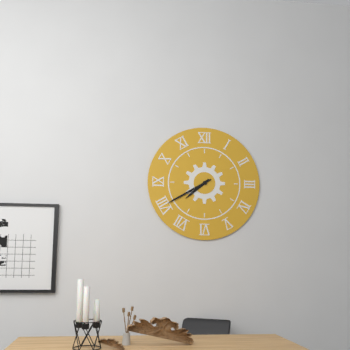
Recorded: h=7 m=40
